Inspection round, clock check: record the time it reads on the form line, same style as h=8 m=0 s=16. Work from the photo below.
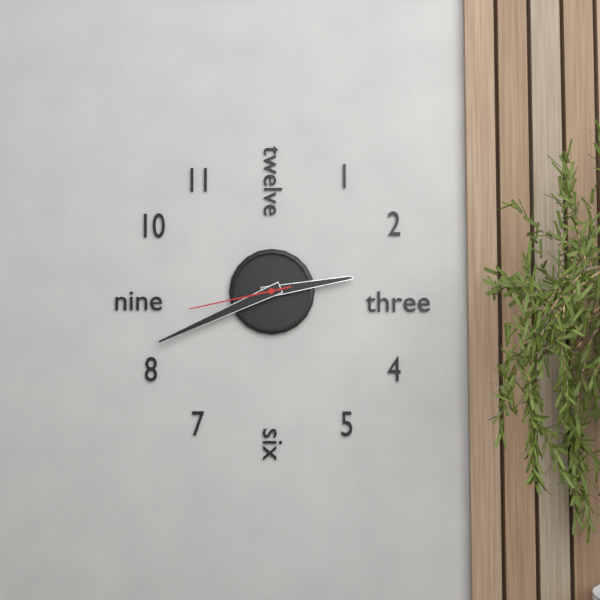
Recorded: h=2 m=41 s=43
